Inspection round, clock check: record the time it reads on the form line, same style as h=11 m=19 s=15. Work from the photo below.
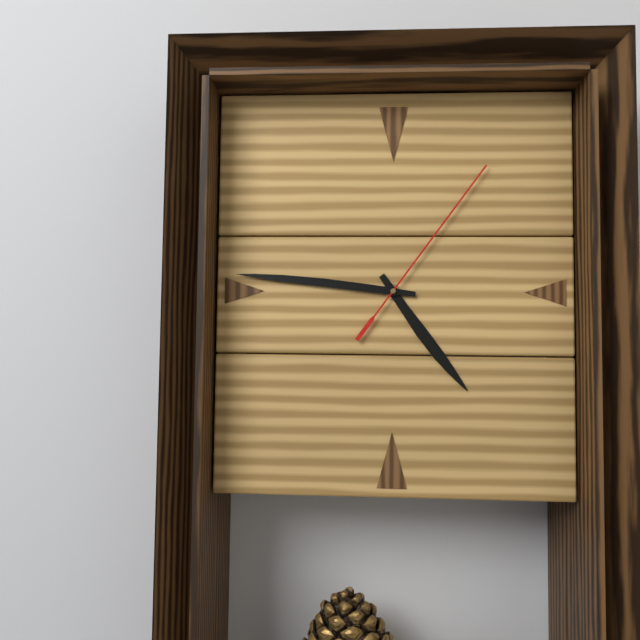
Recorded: h=4 m=46 s=6
